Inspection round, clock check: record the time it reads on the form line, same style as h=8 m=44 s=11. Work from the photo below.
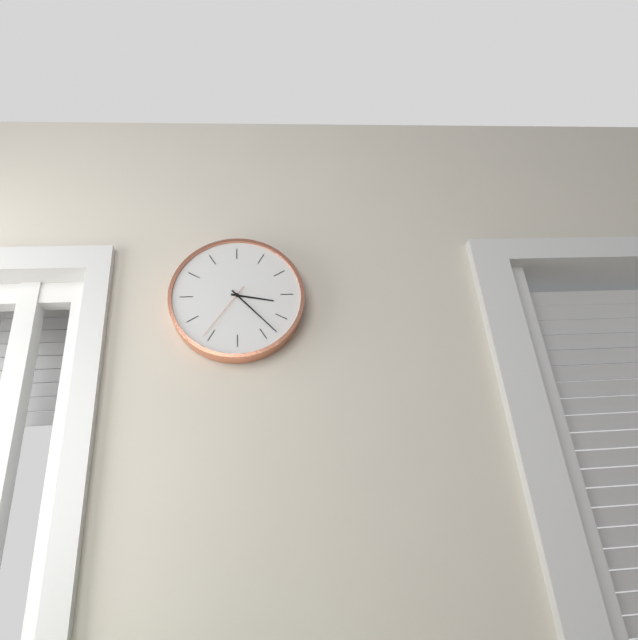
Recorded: h=3 m=23 s=36
